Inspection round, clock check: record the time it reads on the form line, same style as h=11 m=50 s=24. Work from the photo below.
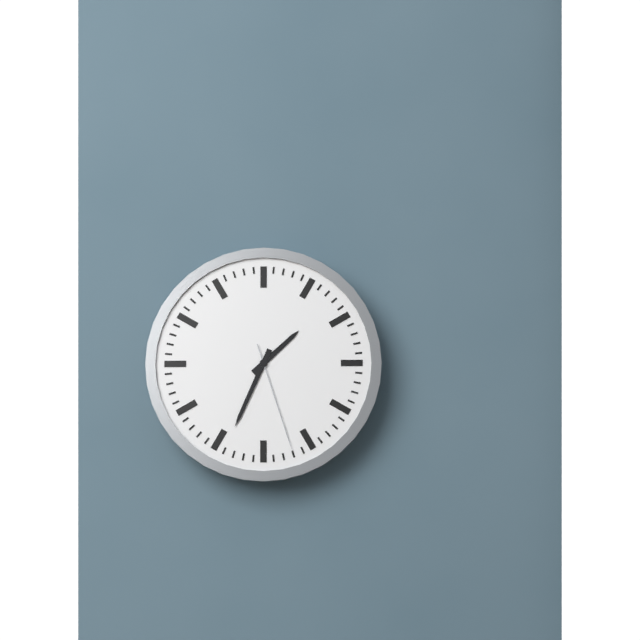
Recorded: h=1 m=34 s=27
